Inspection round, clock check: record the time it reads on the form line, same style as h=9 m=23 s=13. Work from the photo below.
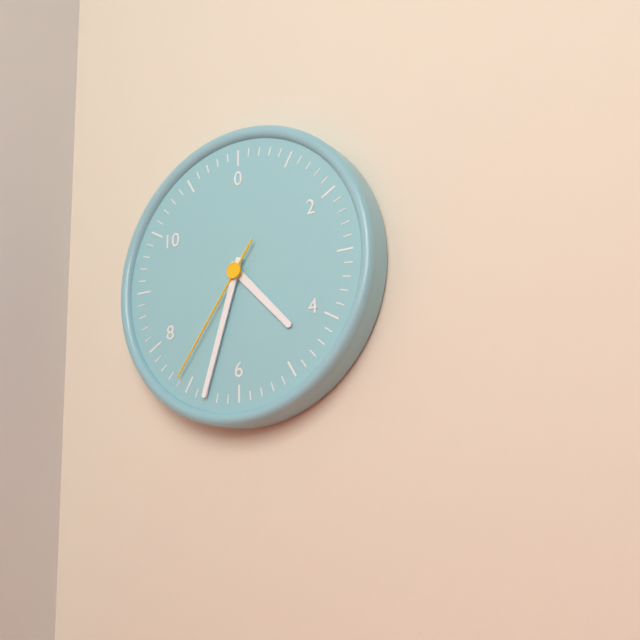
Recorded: h=4 m=33 s=36
